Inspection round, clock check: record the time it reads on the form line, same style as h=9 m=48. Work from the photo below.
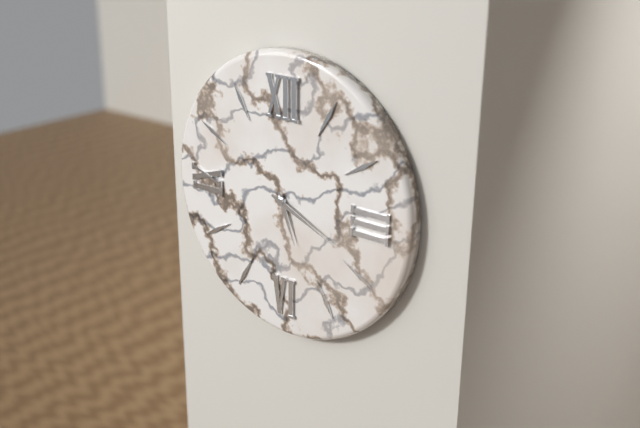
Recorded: h=5 m=19
